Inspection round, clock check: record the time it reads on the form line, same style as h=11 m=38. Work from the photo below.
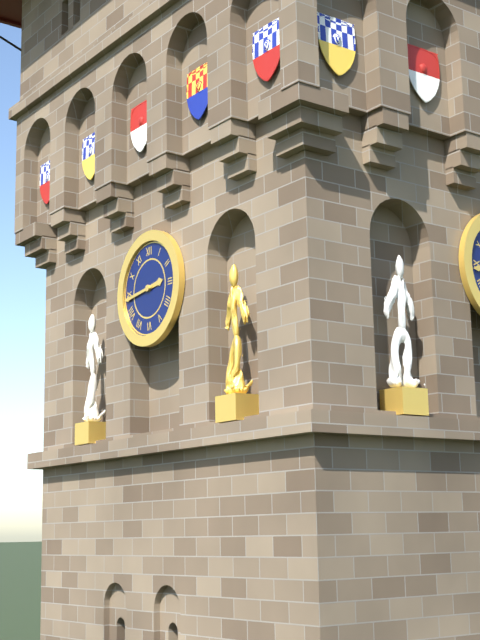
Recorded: h=2 m=44
